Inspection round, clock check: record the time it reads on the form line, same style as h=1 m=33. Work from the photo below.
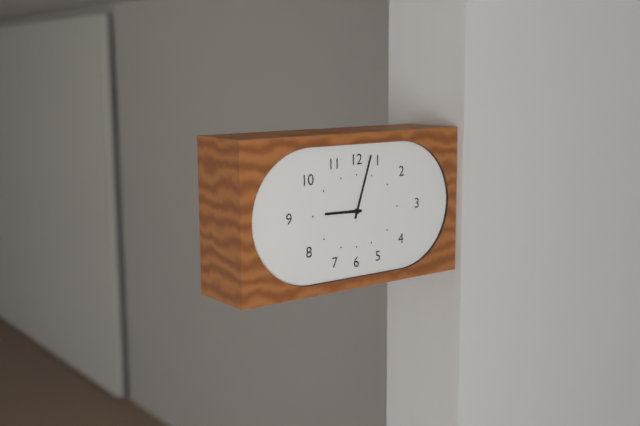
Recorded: h=9 m=3
